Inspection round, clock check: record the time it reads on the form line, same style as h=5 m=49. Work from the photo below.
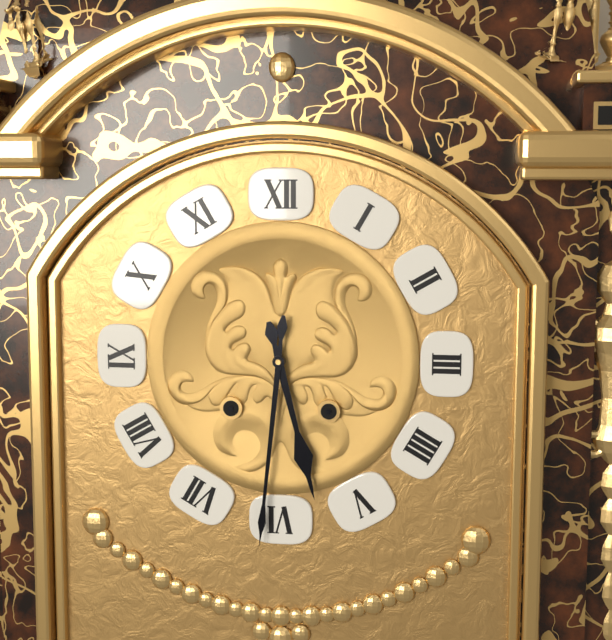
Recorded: h=5 m=31
